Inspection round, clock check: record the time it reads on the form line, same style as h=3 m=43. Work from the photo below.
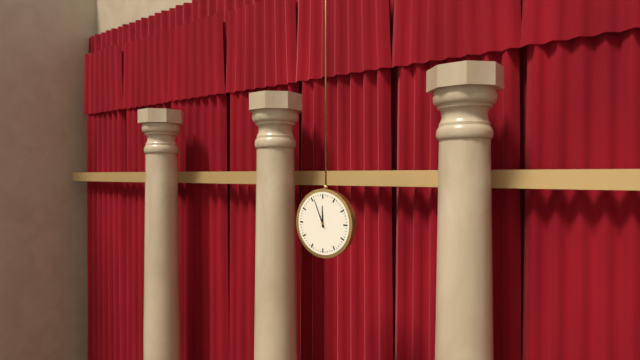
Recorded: h=11 m=56
